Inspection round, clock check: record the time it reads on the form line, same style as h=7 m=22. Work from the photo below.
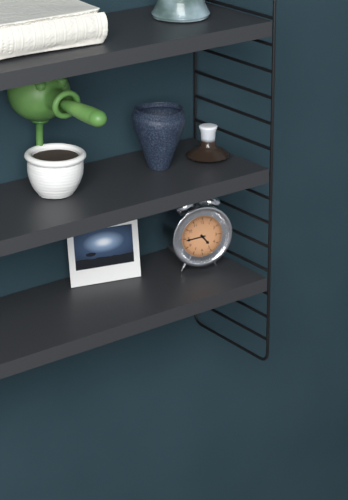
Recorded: h=4 m=44
